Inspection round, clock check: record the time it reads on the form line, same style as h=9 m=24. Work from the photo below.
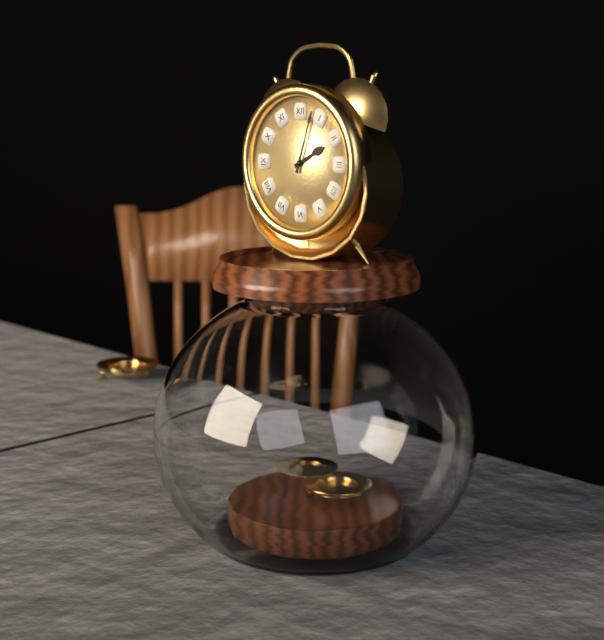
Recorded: h=2 m=3
